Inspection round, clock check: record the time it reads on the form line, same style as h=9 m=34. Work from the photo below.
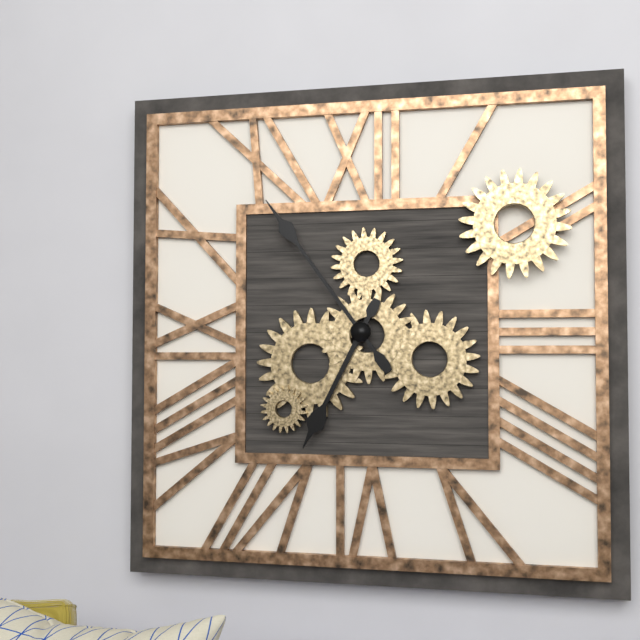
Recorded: h=6 m=54
